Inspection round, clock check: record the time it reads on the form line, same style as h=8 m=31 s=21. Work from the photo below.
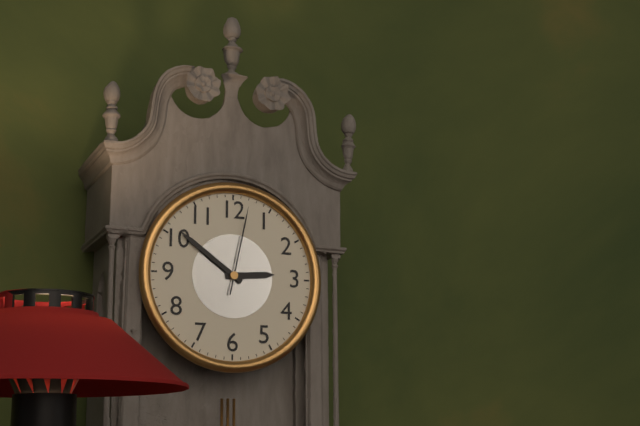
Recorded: h=2 m=51 s=2
